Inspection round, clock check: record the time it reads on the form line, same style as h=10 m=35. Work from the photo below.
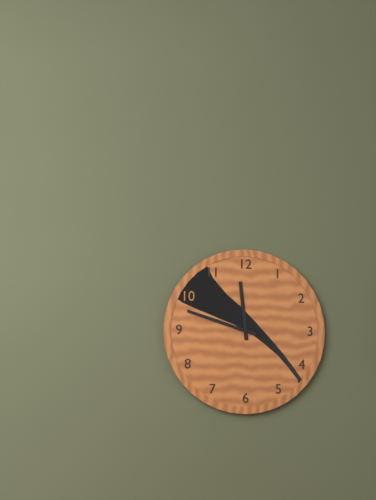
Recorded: h=11 m=48
